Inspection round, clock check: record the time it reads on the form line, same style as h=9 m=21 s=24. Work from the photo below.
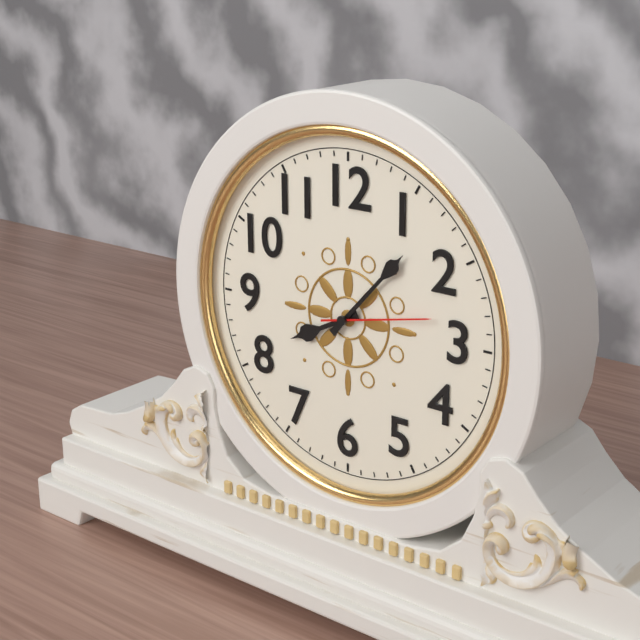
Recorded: h=8 m=7 s=13
